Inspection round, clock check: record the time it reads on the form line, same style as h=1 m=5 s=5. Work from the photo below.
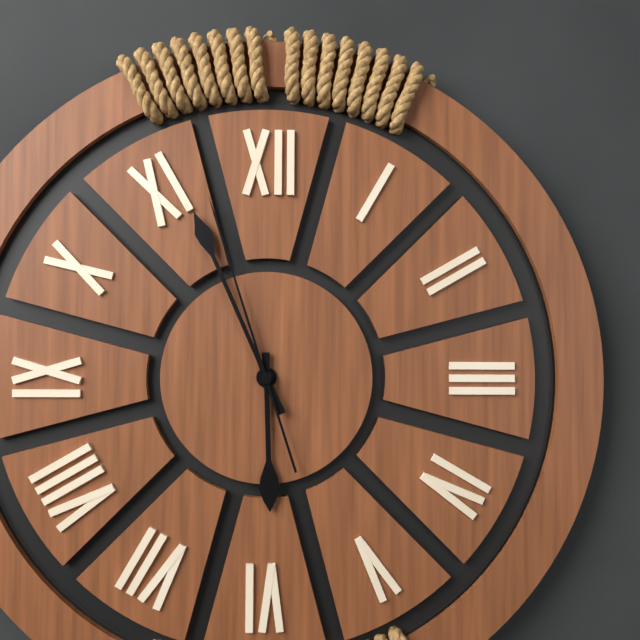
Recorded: h=5 m=56 s=57
